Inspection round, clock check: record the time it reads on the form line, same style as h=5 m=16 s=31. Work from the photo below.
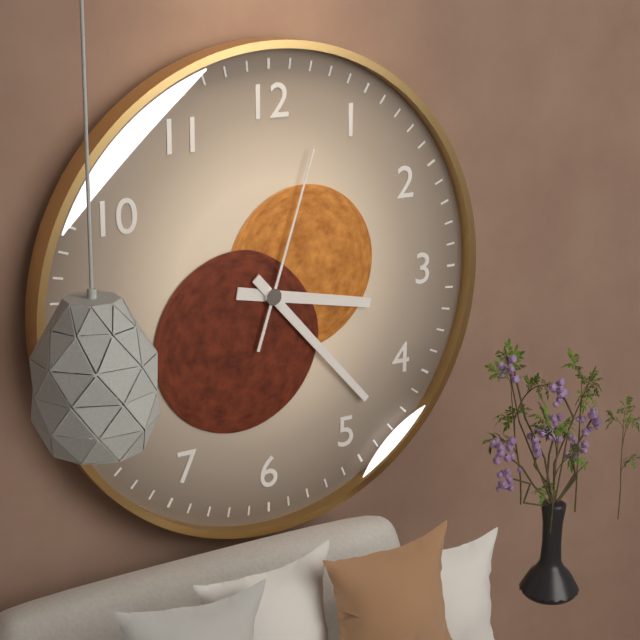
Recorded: h=3 m=23 s=3
